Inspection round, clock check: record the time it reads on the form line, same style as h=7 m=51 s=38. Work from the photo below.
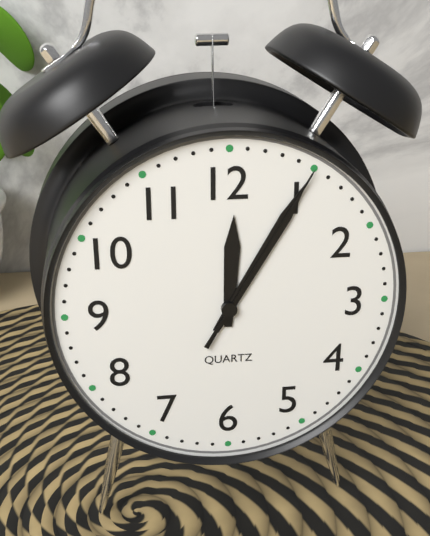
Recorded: h=12 m=5 s=5
